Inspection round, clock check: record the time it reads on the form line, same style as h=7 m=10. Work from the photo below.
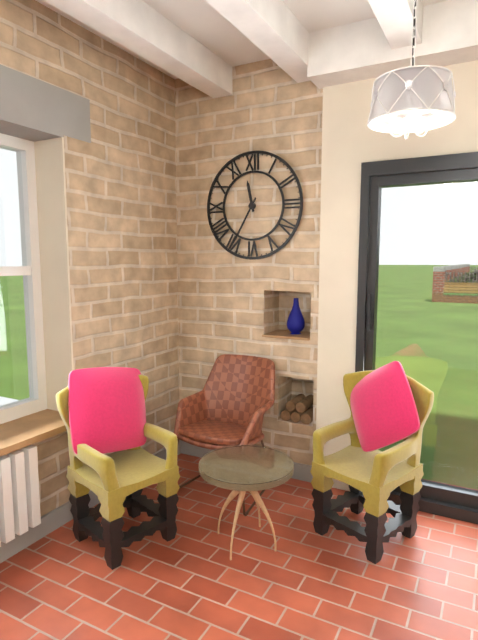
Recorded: h=11 m=35
